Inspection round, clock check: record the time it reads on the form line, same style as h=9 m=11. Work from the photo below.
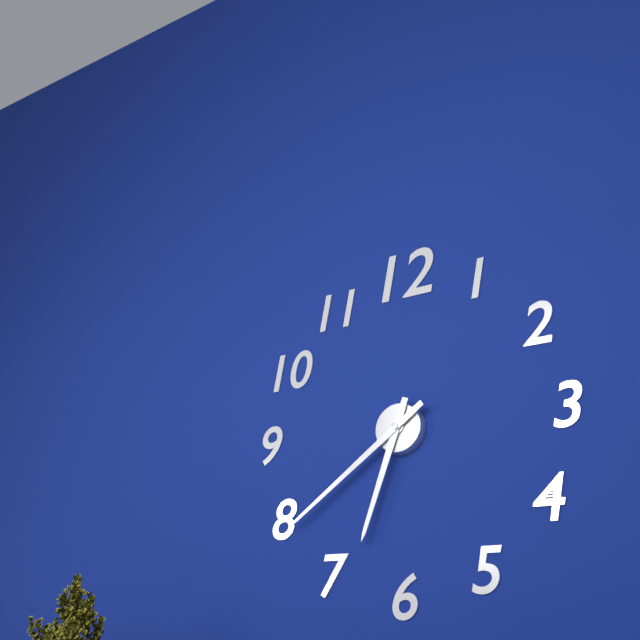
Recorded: h=6 m=39
